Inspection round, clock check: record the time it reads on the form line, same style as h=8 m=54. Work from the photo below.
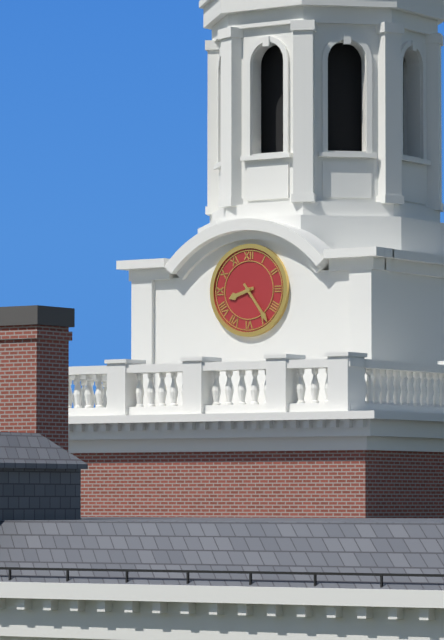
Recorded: h=8 m=24
